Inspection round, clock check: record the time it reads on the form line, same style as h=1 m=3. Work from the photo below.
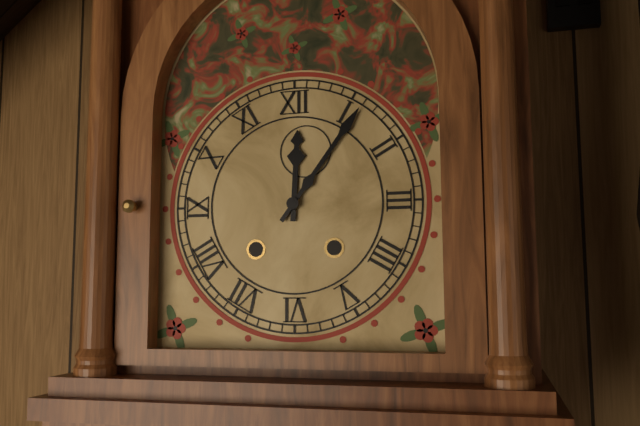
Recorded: h=12 m=6
